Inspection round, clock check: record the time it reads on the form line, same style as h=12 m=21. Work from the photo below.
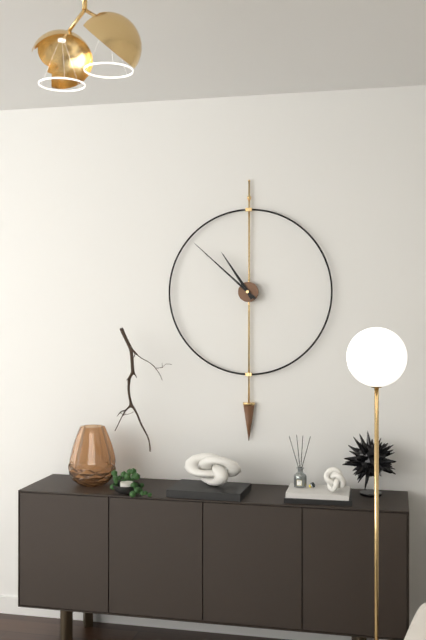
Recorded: h=10 m=52
